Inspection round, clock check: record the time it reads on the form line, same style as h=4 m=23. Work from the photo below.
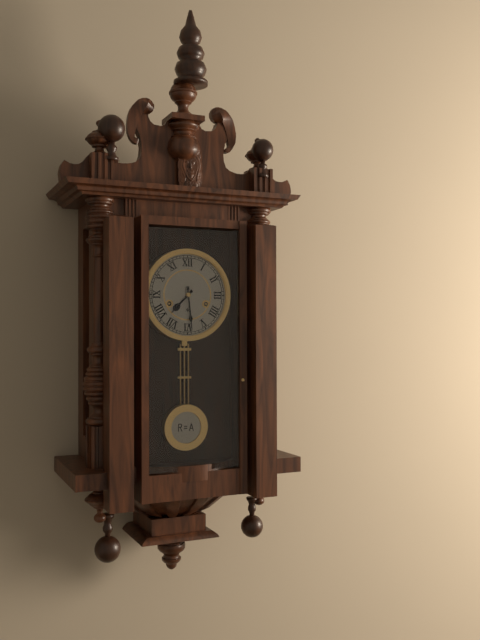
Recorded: h=7 m=29
